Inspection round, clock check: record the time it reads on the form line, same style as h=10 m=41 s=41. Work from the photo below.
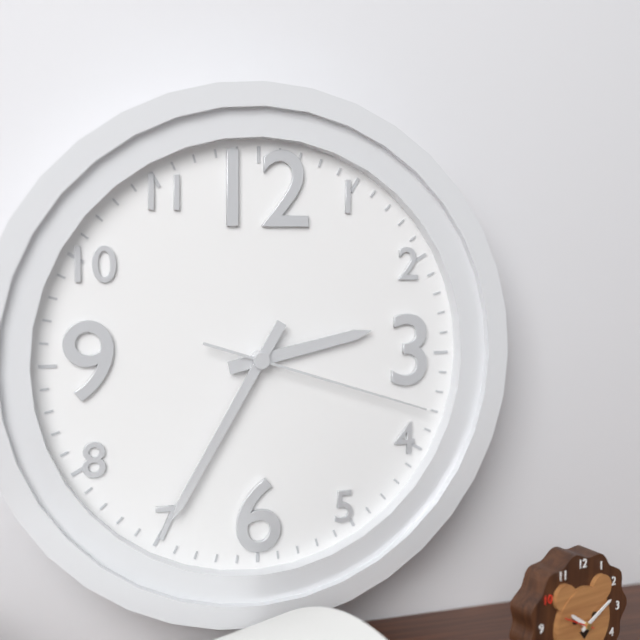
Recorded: h=2 m=35 s=18
